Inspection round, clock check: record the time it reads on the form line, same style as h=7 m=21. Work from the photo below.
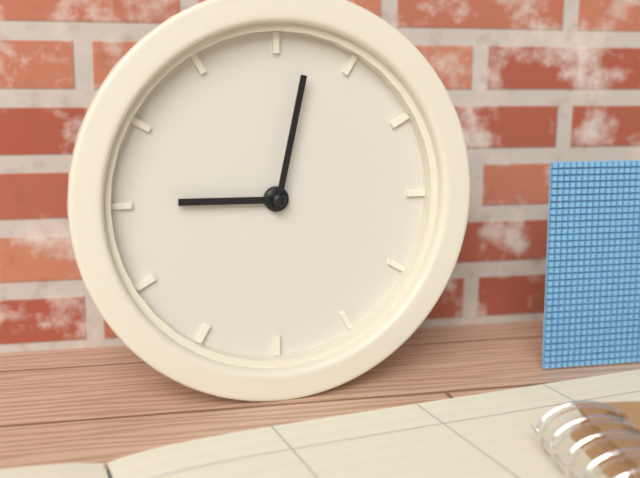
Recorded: h=9 m=2
